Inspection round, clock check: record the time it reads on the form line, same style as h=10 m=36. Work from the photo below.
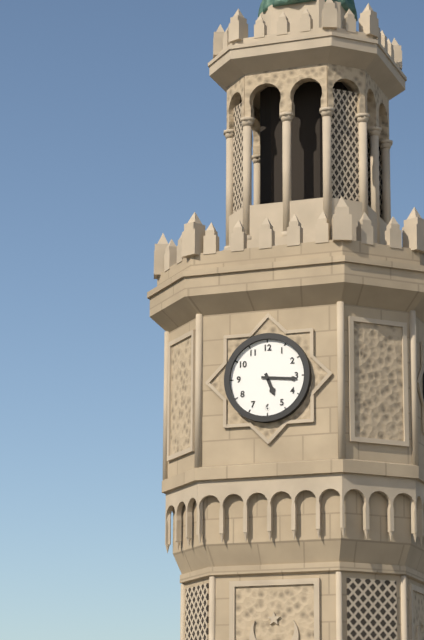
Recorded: h=5 m=16
